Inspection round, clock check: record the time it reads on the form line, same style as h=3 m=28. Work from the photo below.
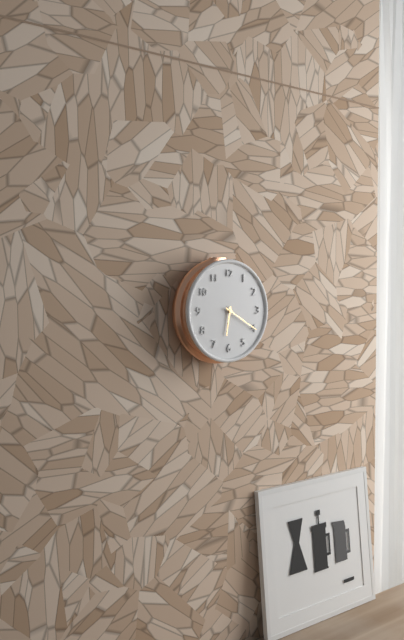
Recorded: h=6 m=20
